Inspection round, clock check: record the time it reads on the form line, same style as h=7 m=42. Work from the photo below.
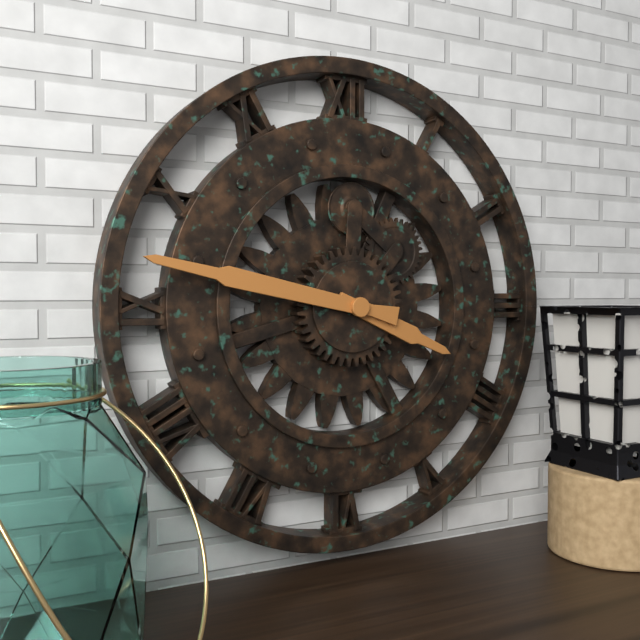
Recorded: h=3 m=47
